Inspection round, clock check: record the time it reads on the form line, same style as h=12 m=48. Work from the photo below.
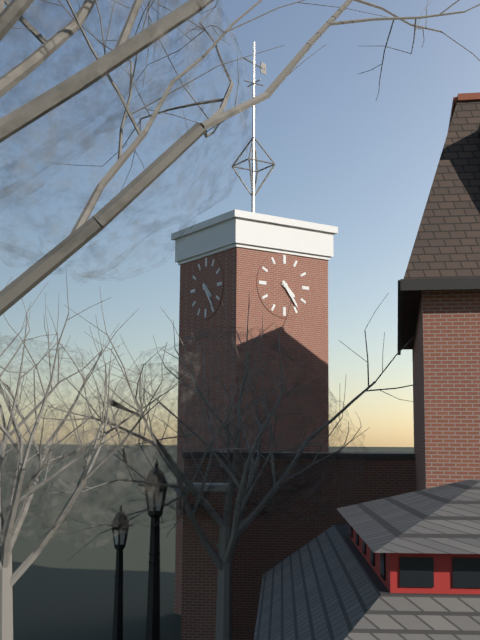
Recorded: h=4 m=24
